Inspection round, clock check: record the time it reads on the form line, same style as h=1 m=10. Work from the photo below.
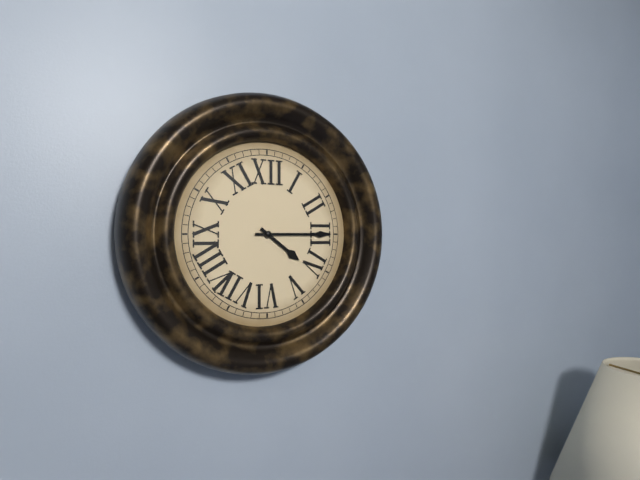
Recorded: h=4 m=15
